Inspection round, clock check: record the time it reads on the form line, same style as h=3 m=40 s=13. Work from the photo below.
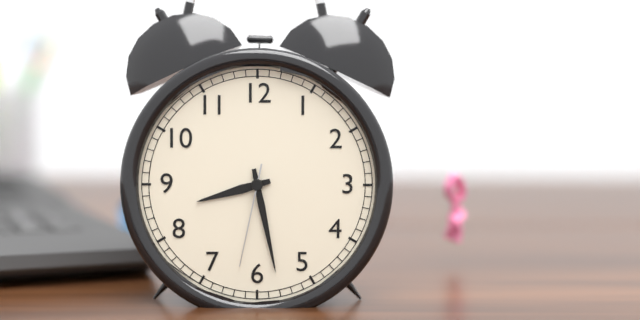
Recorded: h=8 m=28 s=32
